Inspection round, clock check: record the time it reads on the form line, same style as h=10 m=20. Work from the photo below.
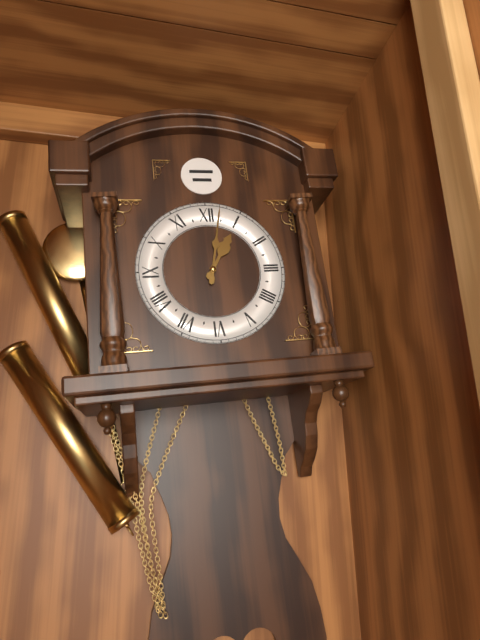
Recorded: h=1 m=2
